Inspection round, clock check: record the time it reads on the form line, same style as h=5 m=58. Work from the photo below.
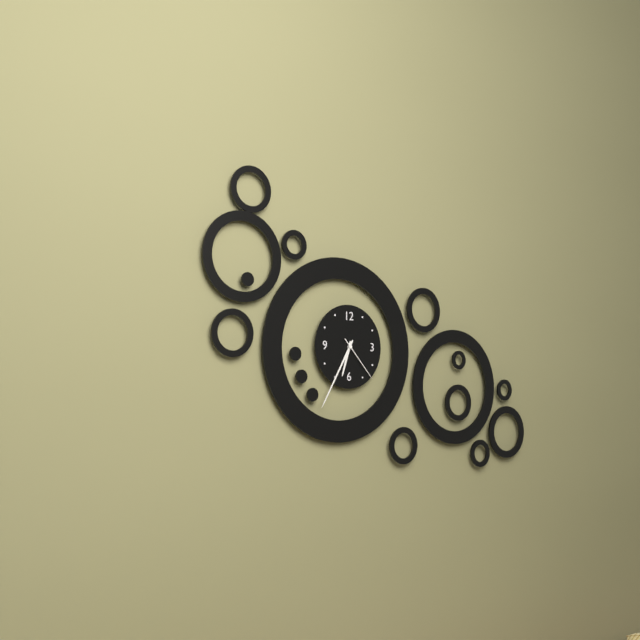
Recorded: h=6 m=35
